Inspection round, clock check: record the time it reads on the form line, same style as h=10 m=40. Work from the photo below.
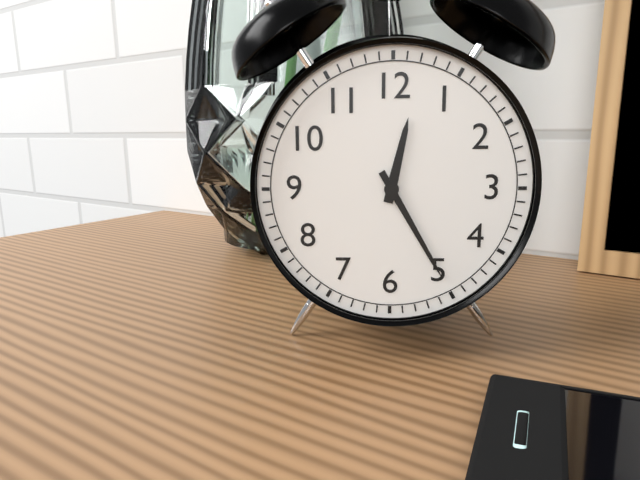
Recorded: h=12 m=25
